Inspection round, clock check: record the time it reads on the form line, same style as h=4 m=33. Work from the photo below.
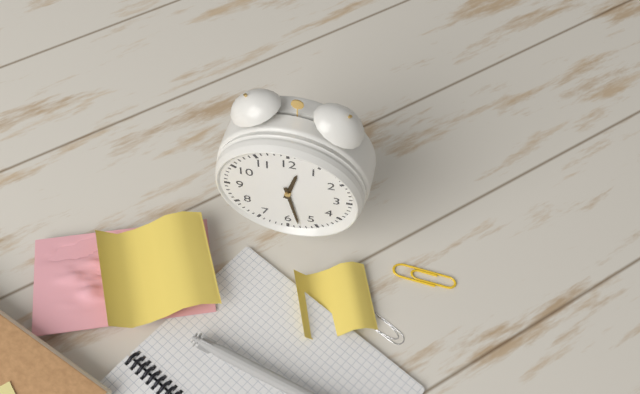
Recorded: h=12 m=28
